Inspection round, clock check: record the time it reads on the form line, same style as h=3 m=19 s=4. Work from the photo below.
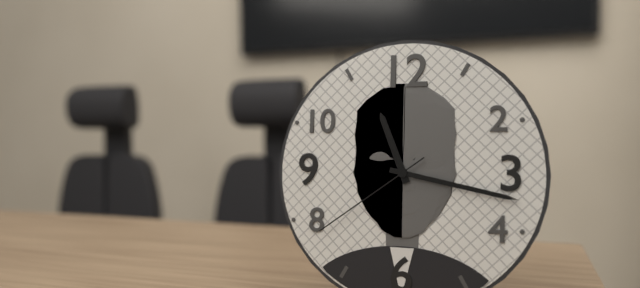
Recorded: h=11 m=17 s=39
